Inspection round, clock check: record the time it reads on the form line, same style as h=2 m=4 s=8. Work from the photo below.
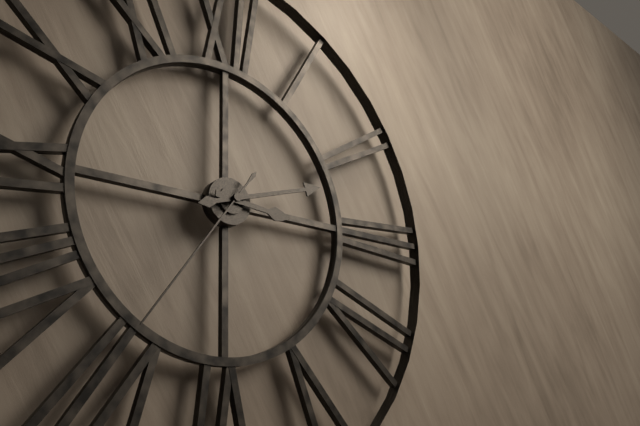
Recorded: h=3 m=12 s=36
